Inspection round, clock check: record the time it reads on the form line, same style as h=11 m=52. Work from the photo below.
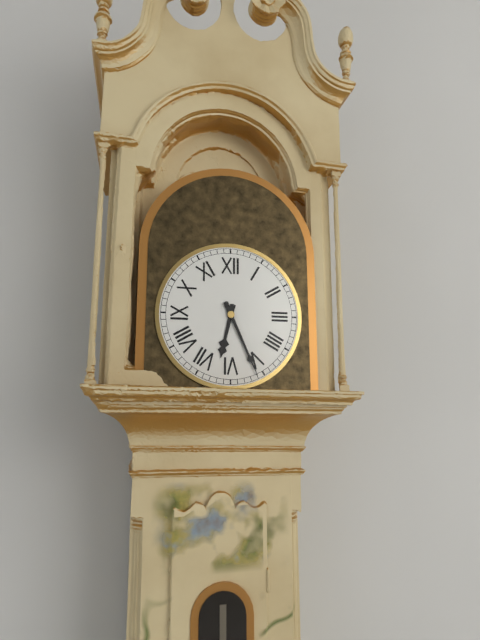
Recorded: h=6 m=26
